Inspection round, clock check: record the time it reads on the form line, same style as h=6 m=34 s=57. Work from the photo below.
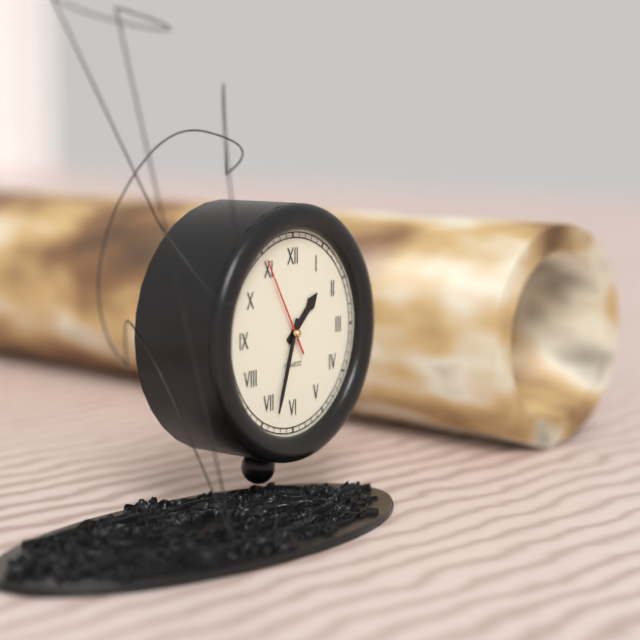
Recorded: h=1 m=33 s=55
